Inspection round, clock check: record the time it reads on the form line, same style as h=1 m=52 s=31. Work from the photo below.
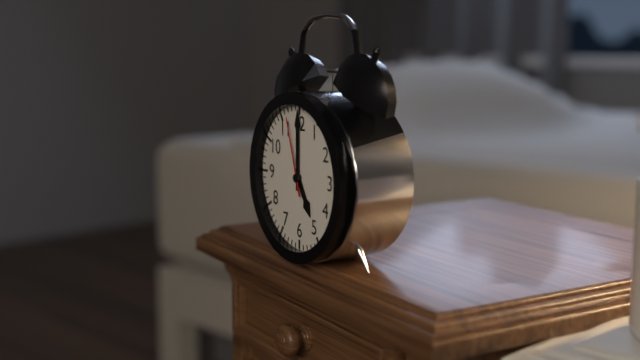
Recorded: h=5 m=0 s=57
